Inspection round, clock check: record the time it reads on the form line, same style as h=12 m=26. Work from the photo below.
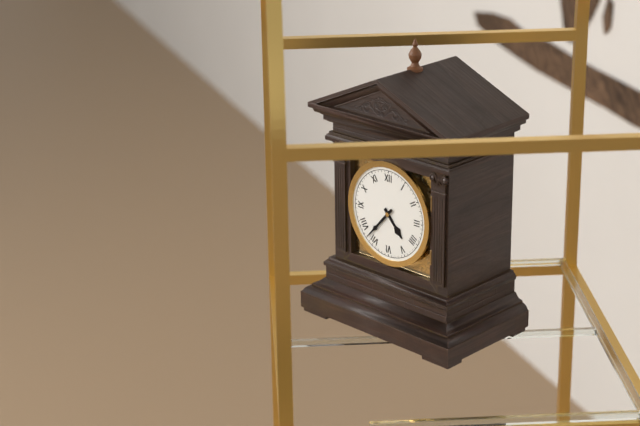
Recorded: h=4 m=37
